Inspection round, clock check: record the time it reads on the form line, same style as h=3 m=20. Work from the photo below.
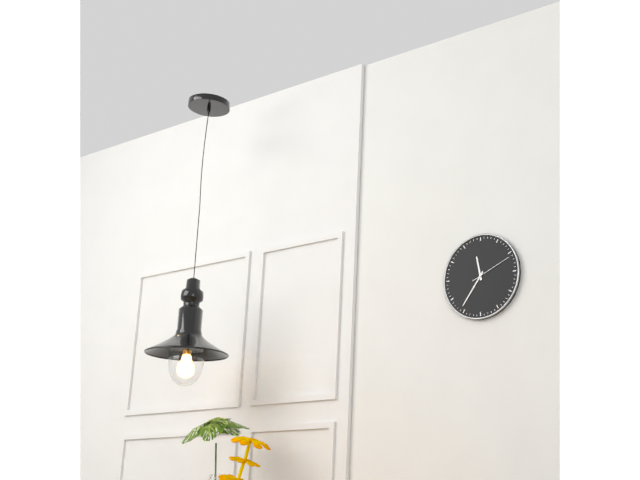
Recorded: h=11 m=36
